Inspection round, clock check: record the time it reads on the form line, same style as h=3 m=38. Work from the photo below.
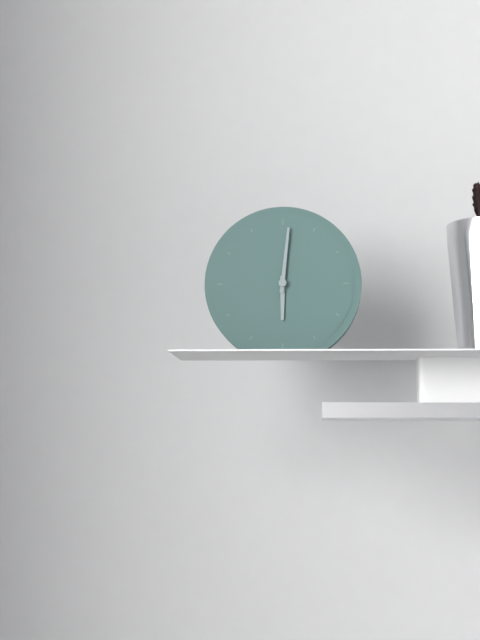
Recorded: h=6 m=1
